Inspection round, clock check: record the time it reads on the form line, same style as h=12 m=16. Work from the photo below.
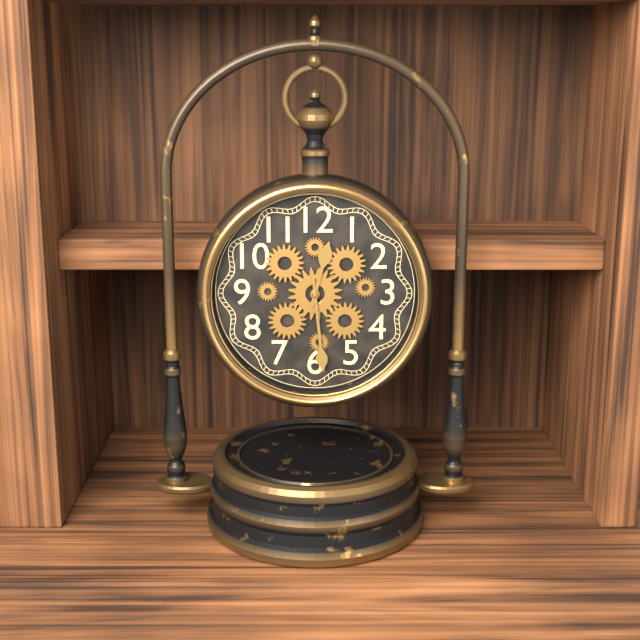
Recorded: h=12 m=29
